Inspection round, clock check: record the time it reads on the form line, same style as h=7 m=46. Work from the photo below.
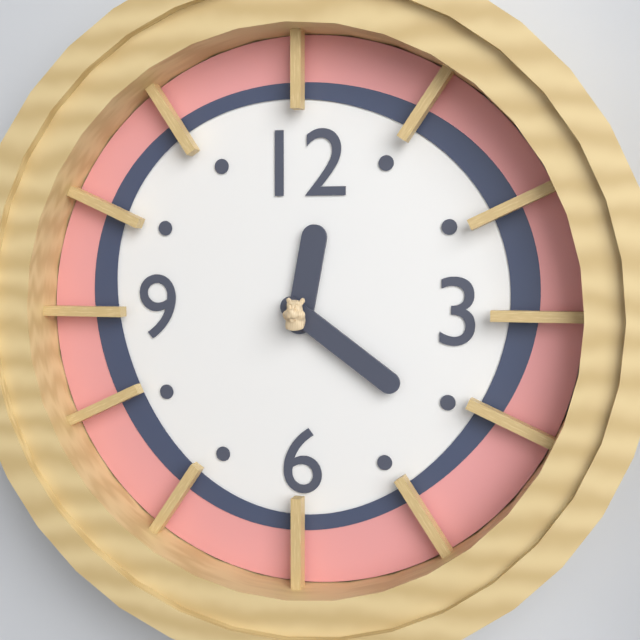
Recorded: h=12 m=21
